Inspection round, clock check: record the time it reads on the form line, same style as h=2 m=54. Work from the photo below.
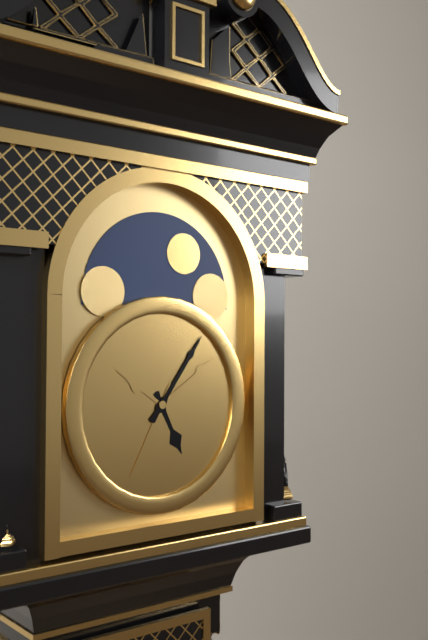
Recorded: h=5 m=6
